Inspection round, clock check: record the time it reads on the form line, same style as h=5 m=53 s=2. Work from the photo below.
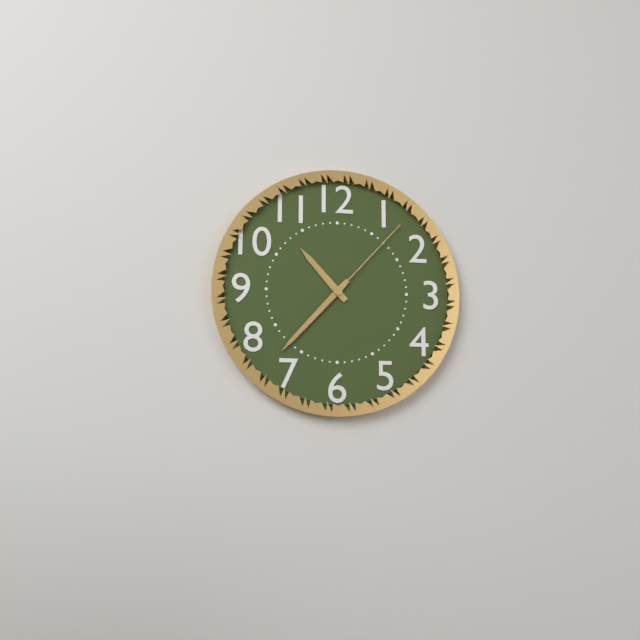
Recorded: h=10 m=37 s=7
